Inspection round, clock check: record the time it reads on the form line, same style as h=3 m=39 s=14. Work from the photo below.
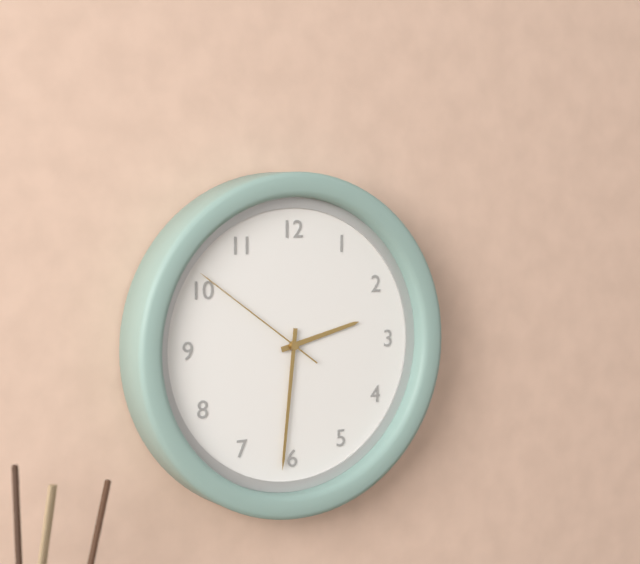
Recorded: h=2 m=31 s=51
